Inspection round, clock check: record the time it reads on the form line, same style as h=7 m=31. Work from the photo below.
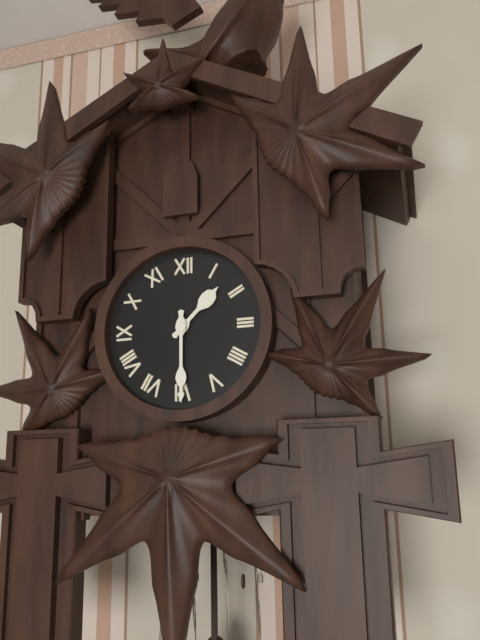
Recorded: h=1 m=30
